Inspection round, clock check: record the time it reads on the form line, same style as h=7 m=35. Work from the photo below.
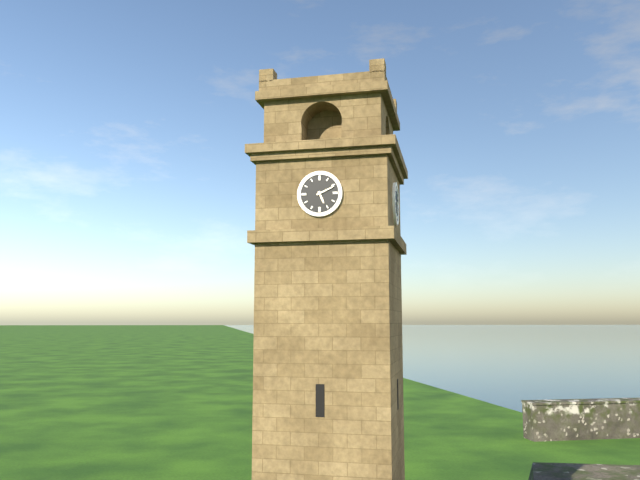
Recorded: h=5 m=11
